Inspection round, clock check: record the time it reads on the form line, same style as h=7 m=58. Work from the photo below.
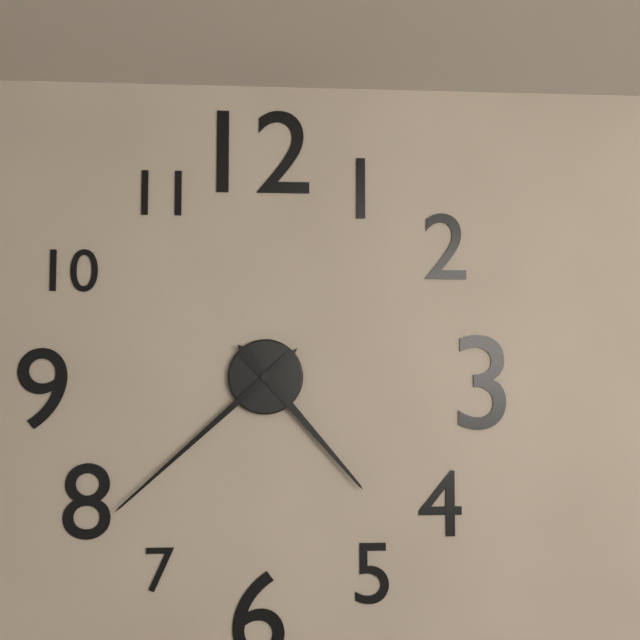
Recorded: h=4 m=38
